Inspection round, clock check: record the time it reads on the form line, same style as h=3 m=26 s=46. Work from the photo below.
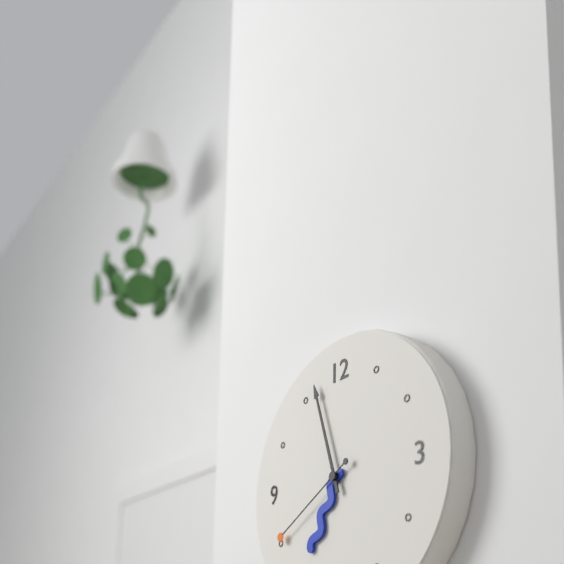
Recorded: h=6 m=57 s=40
